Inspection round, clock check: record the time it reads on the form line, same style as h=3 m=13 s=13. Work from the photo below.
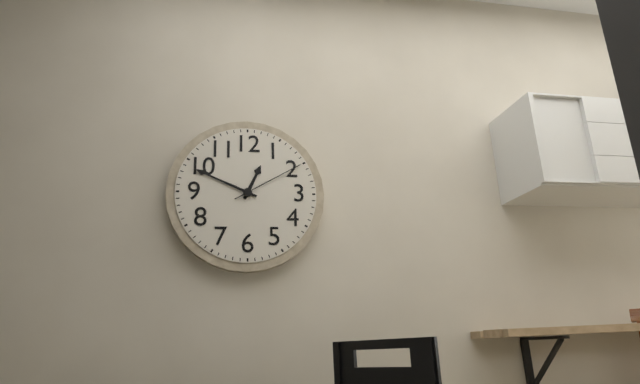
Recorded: h=12 m=49 s=10
